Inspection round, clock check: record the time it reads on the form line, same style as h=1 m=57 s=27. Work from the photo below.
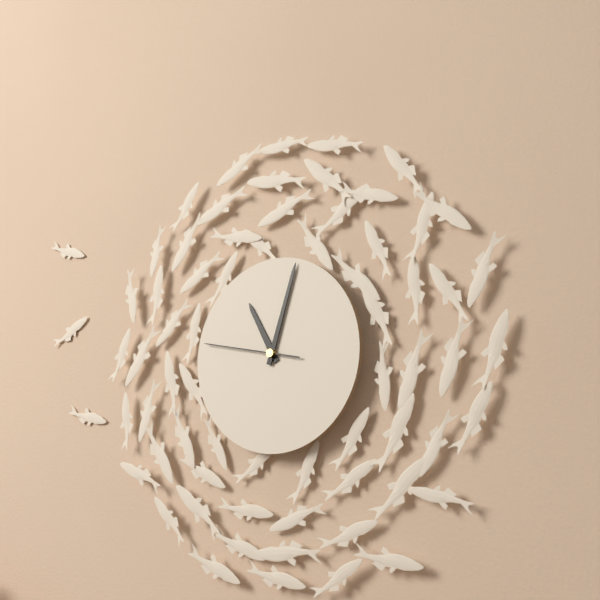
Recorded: h=11 m=3 s=47
